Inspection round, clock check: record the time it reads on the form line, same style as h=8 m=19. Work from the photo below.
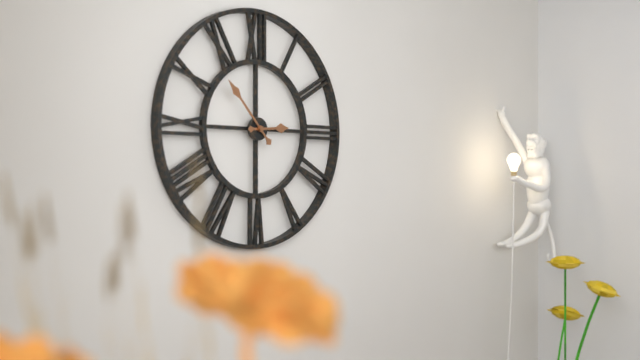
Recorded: h=2 m=53
